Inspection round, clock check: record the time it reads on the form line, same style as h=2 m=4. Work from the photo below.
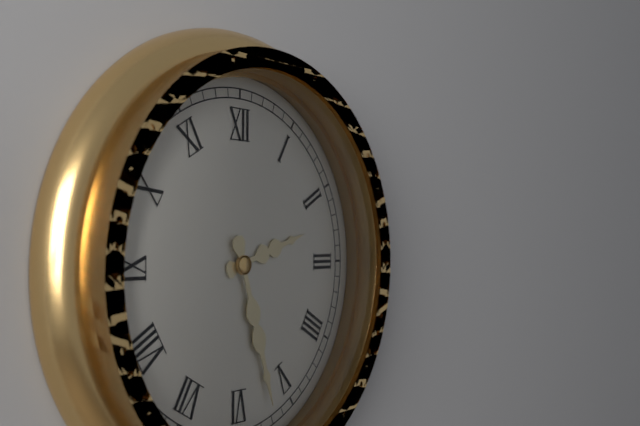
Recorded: h=2 m=27
